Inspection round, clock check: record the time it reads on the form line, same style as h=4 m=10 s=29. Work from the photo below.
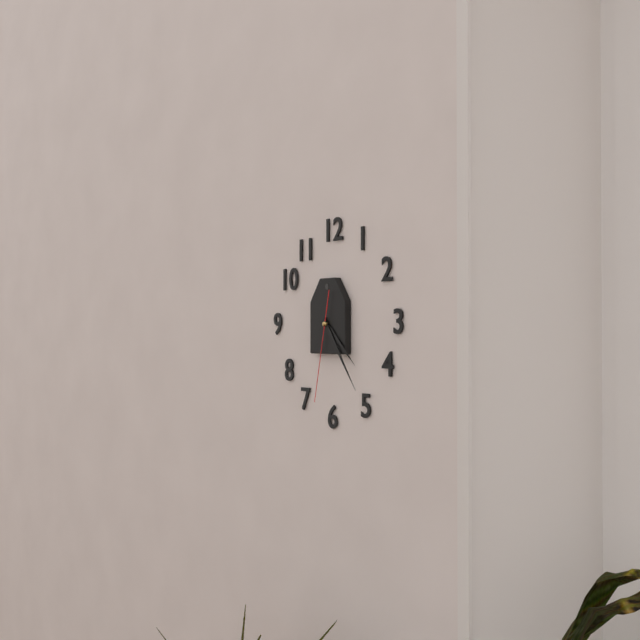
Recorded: h=4 m=24 s=32
